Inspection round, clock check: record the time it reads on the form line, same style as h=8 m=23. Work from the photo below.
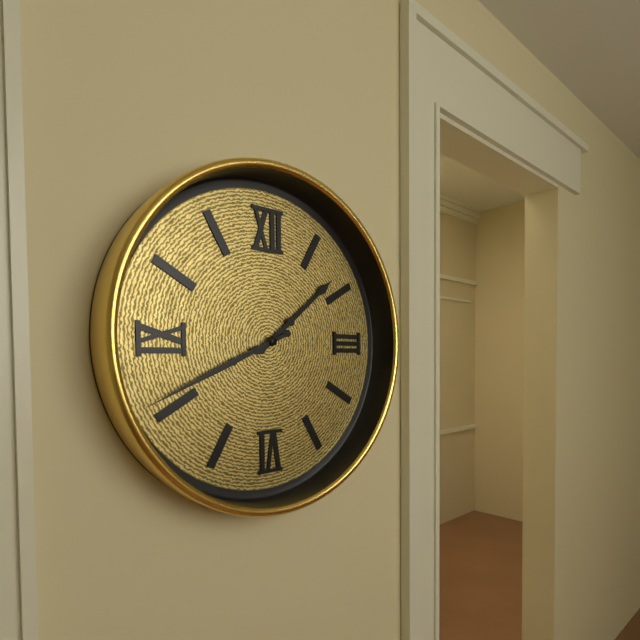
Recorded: h=1 m=41
